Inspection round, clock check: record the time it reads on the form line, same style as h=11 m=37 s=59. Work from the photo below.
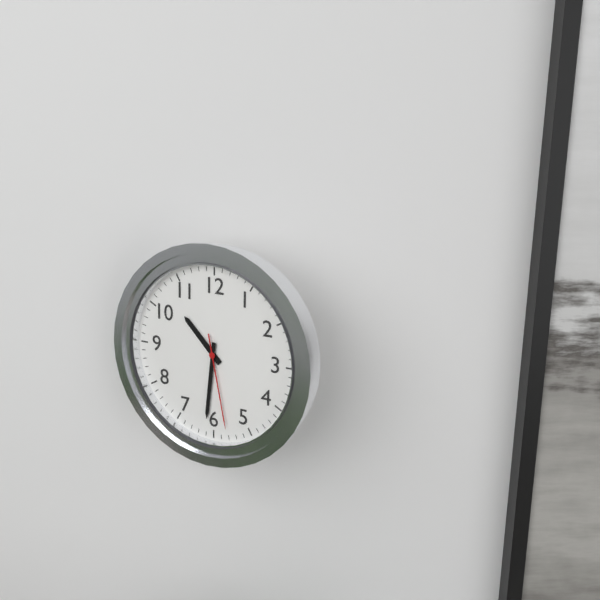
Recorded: h=10 m=31 s=28
